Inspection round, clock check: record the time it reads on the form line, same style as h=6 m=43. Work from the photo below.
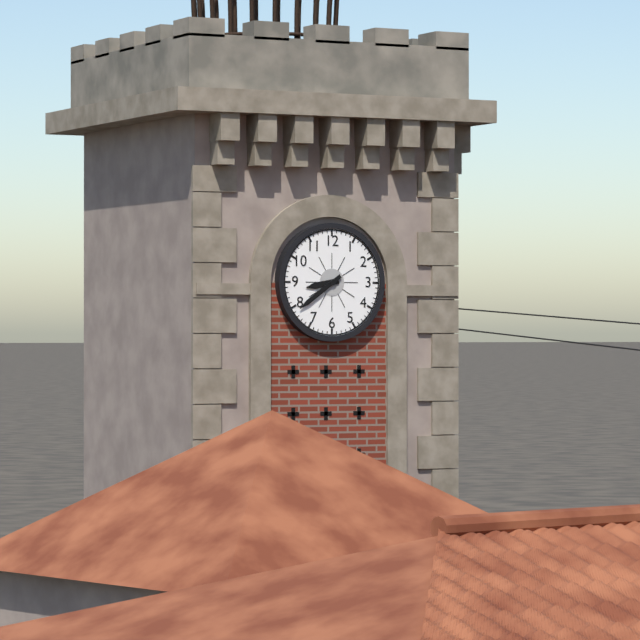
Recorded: h=8 m=39
